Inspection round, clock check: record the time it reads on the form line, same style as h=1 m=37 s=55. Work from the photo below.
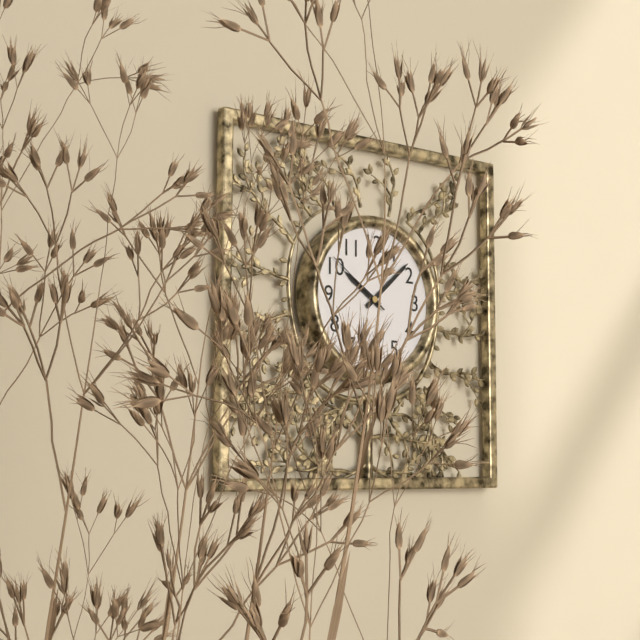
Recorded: h=10 m=8 s=51
